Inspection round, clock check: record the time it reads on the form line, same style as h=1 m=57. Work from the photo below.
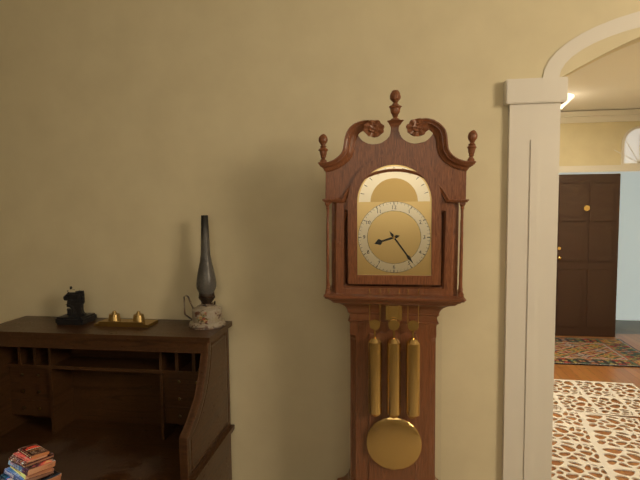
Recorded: h=8 m=24
